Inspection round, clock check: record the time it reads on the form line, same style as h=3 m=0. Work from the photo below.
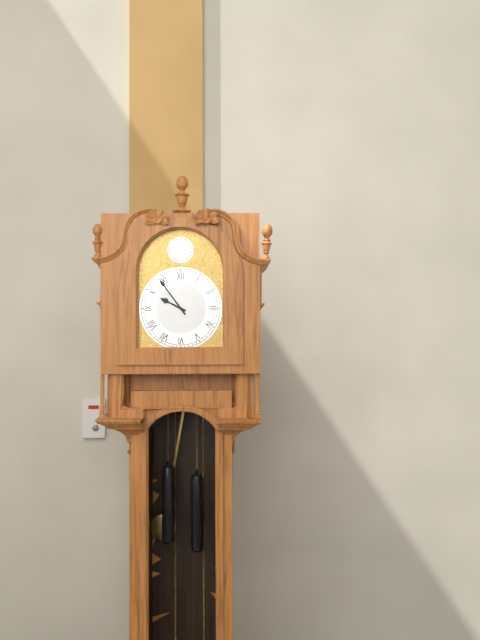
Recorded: h=9 m=54
